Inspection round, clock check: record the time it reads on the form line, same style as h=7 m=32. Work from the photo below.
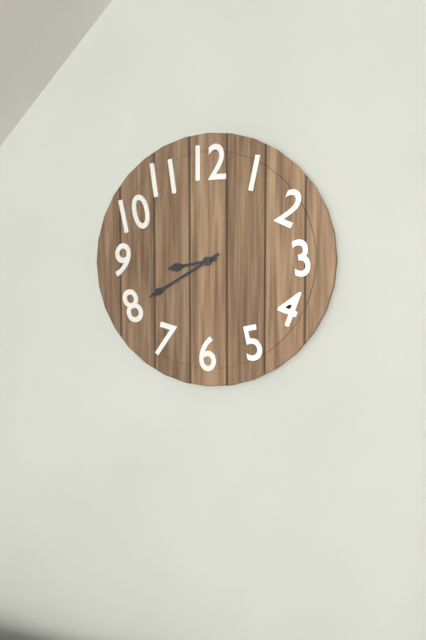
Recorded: h=8 m=40
